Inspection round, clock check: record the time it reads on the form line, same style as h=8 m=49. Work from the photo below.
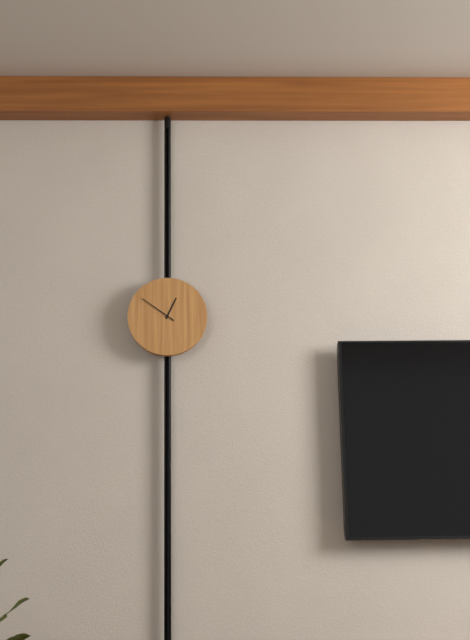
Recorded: h=12 m=51
